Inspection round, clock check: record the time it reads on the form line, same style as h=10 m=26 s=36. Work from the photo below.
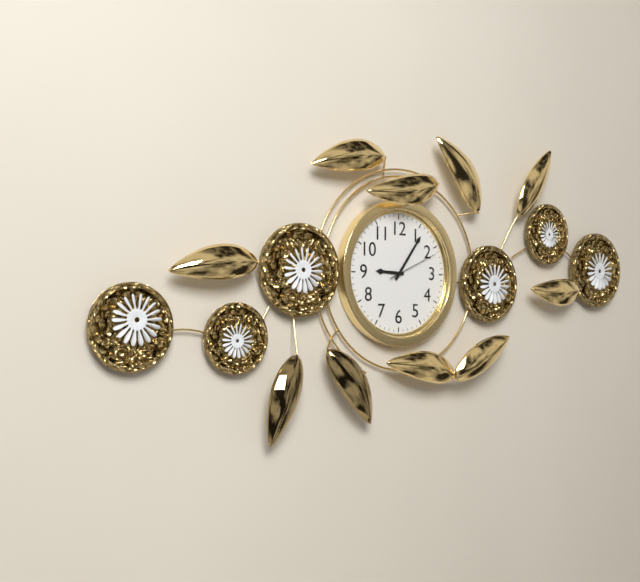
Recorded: h=9 m=6 s=11
